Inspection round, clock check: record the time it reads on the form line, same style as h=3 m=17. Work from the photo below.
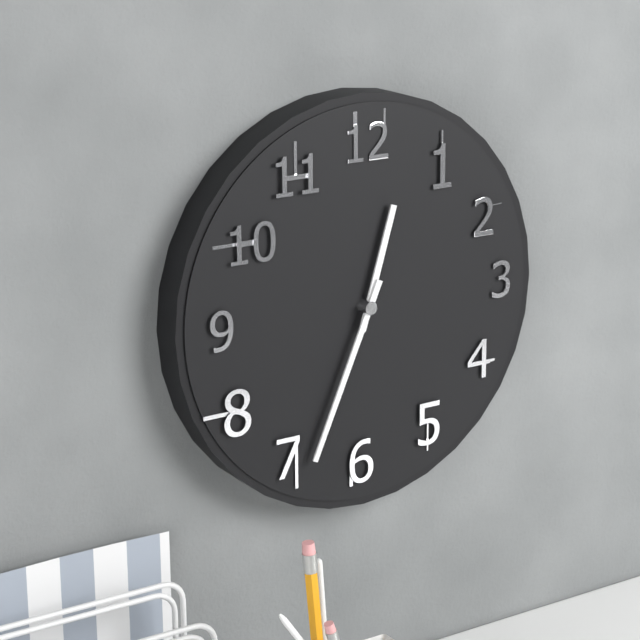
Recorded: h=12 m=34
